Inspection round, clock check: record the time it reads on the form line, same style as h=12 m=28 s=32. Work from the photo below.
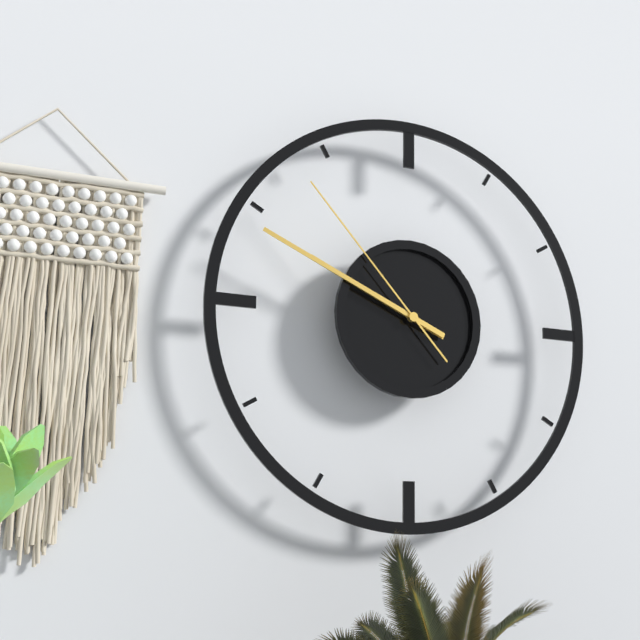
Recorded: h=9 m=49 s=53
